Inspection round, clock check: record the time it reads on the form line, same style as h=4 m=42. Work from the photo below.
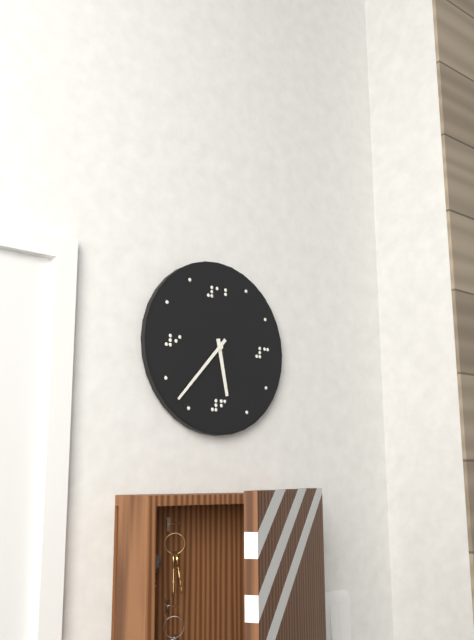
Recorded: h=5 m=37
